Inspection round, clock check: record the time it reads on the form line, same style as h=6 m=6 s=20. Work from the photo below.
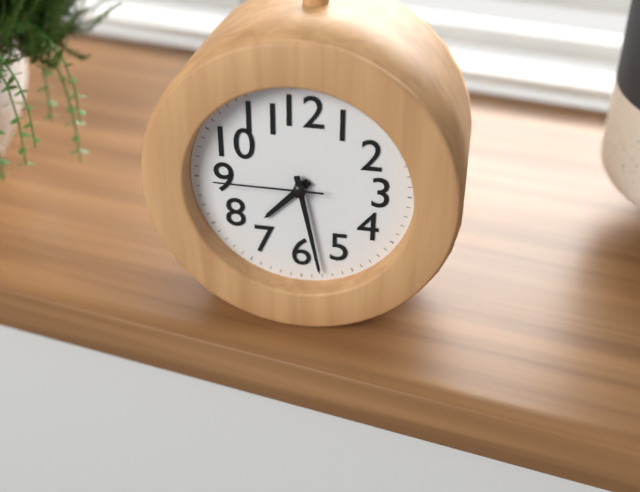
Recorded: h=7 m=28 s=45
